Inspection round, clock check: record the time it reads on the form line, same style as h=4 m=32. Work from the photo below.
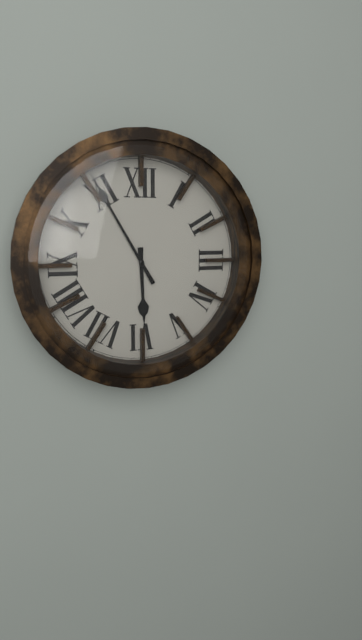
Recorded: h=5 m=55
